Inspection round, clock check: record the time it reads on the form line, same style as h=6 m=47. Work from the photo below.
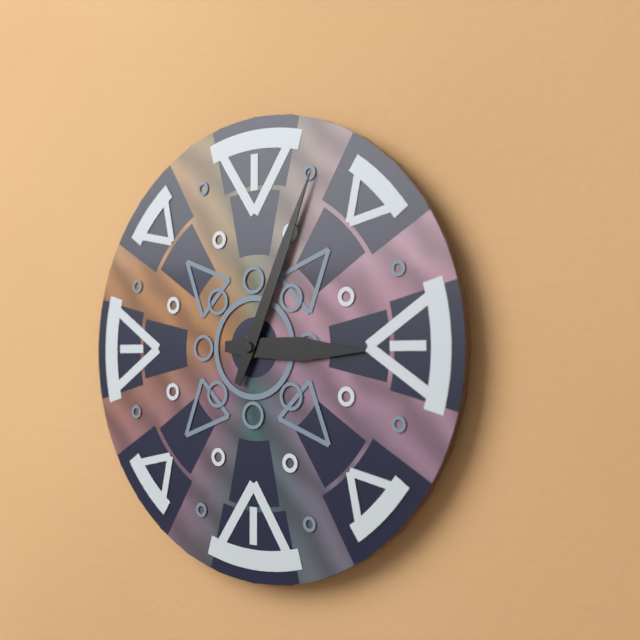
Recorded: h=3 m=4
